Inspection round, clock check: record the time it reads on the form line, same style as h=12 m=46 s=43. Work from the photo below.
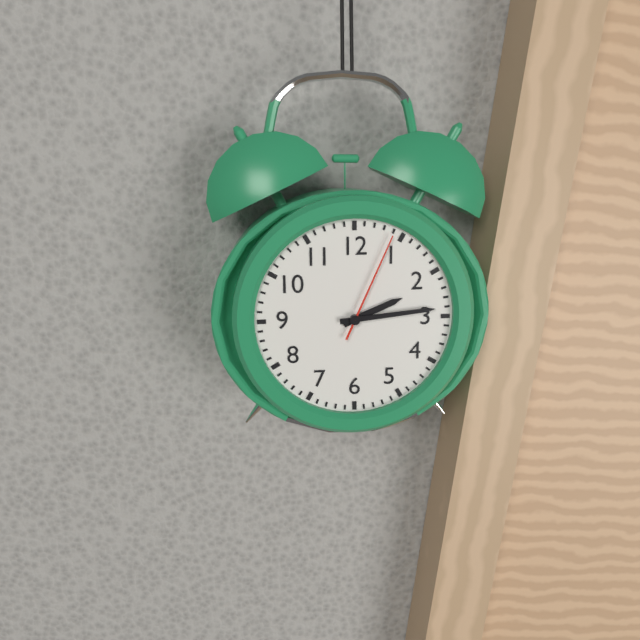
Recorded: h=2 m=14 s=4
